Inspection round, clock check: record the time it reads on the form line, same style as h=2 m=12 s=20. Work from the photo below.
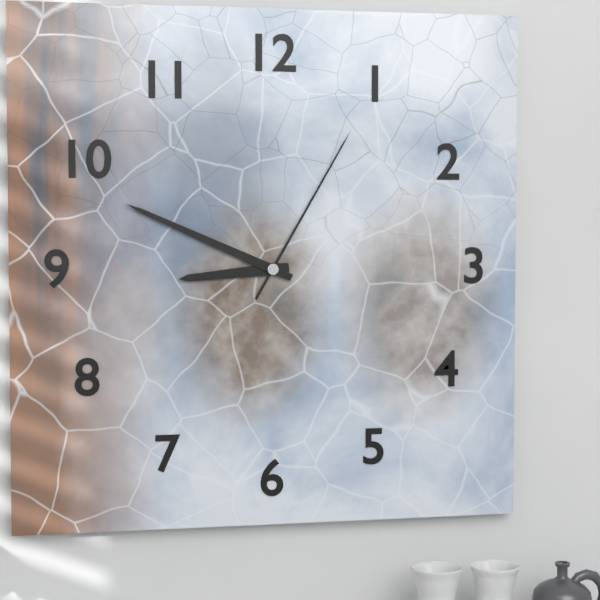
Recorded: h=8 m=49 s=5
